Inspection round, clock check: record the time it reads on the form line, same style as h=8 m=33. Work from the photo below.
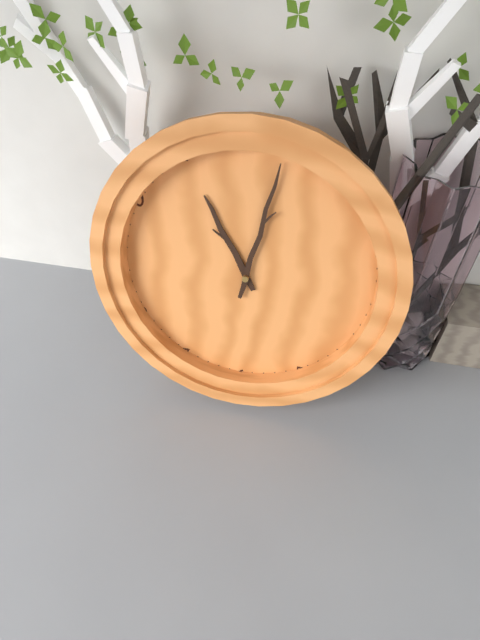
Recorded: h=11 m=2
